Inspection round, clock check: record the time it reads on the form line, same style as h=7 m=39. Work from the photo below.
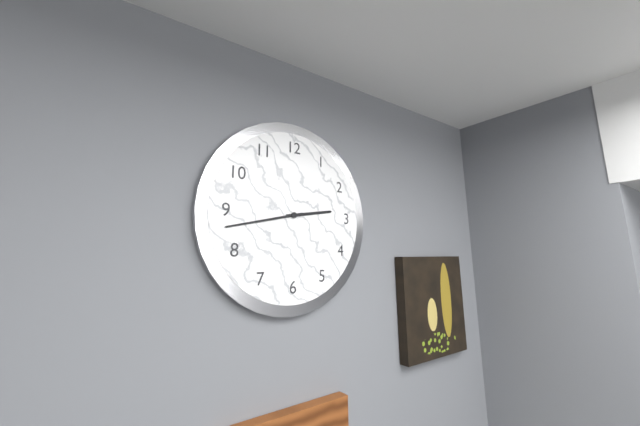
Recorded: h=2 m=43
